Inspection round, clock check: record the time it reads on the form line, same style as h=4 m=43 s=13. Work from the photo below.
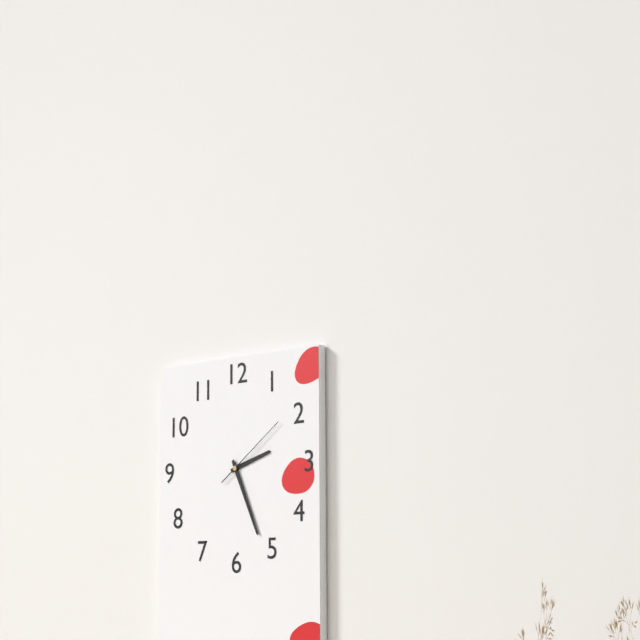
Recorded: h=2 m=26 s=9
